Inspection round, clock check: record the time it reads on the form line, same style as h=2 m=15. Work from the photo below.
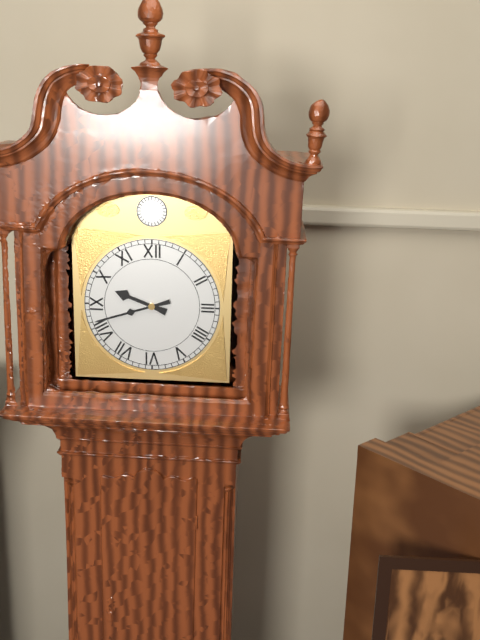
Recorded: h=9 m=42
